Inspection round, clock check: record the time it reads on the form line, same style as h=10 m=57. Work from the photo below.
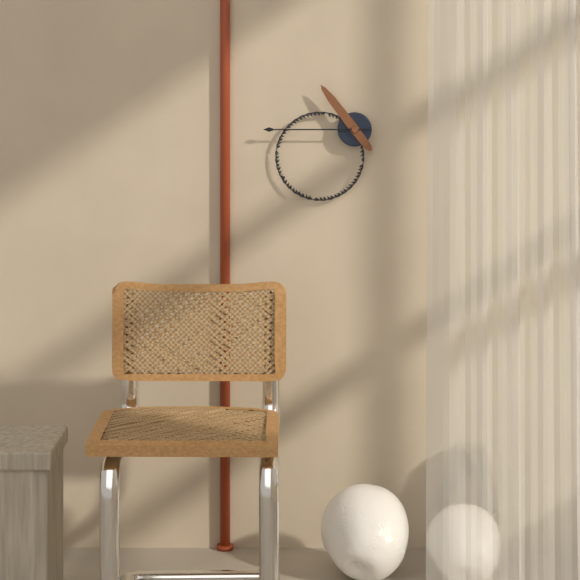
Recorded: h=10 m=45
